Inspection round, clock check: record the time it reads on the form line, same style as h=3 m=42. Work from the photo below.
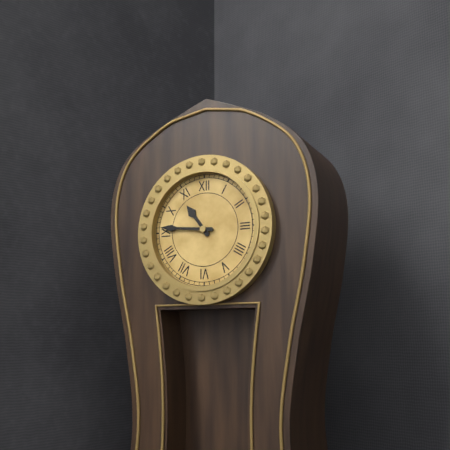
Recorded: h=10 m=46
